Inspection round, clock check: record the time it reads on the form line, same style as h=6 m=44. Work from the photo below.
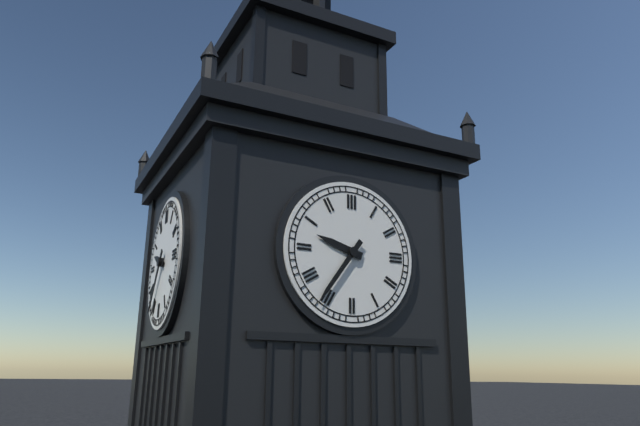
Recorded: h=9 m=36
